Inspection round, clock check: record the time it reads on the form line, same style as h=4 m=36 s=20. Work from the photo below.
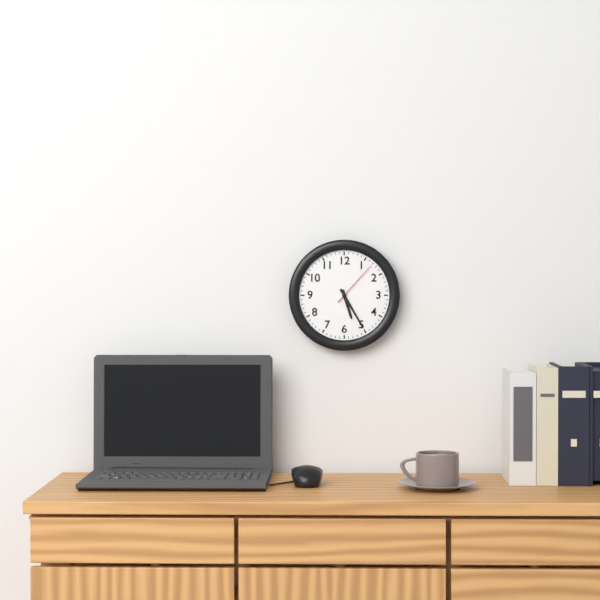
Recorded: h=5 m=25 s=7
